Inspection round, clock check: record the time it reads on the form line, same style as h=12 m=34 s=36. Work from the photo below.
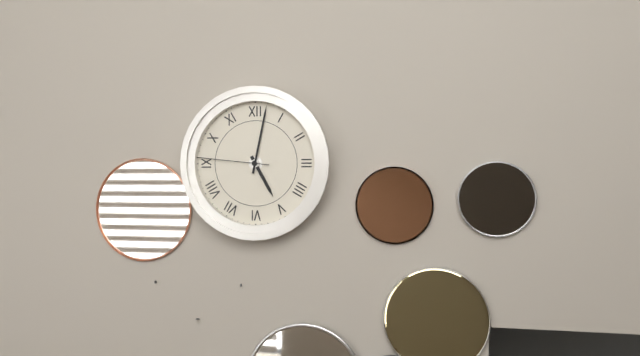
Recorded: h=5 m=2 s=46
